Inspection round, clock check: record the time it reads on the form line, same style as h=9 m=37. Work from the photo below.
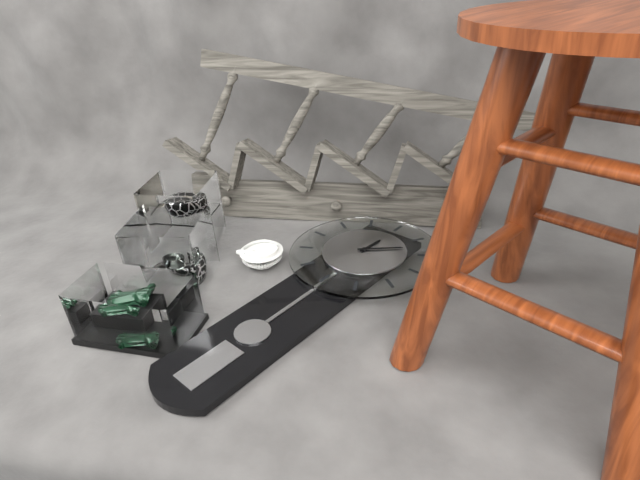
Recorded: h=12 m=8
